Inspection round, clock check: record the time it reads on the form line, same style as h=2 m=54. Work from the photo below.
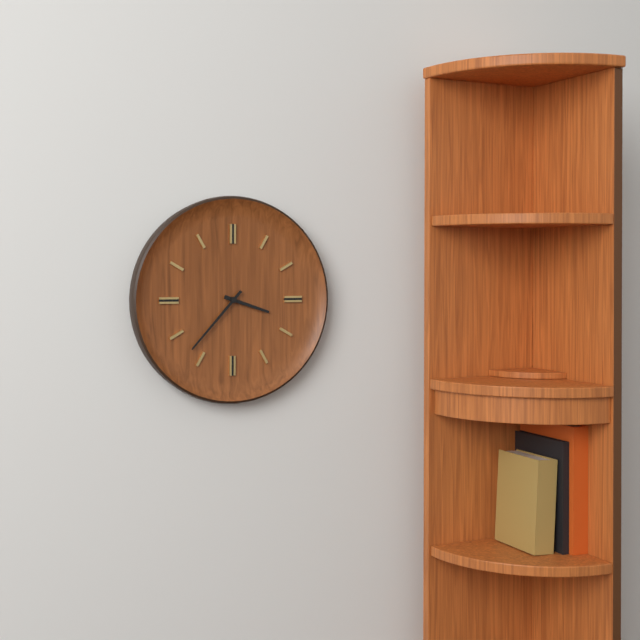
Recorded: h=3 m=37
